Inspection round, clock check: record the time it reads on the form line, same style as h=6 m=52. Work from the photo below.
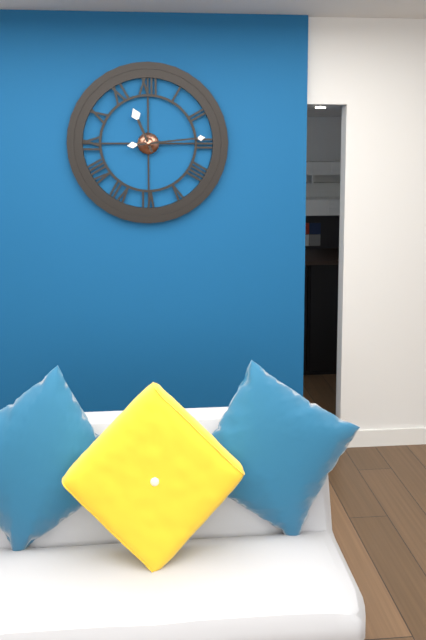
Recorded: h=11 m=14
